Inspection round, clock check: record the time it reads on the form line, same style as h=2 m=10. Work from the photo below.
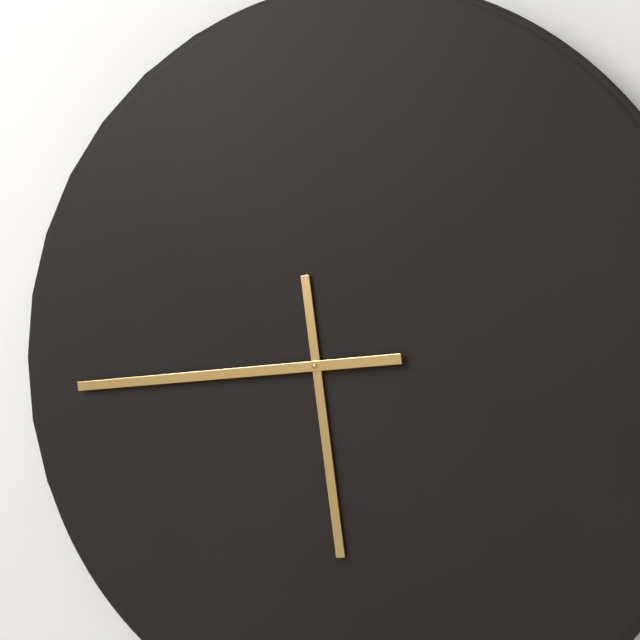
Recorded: h=5 m=44
